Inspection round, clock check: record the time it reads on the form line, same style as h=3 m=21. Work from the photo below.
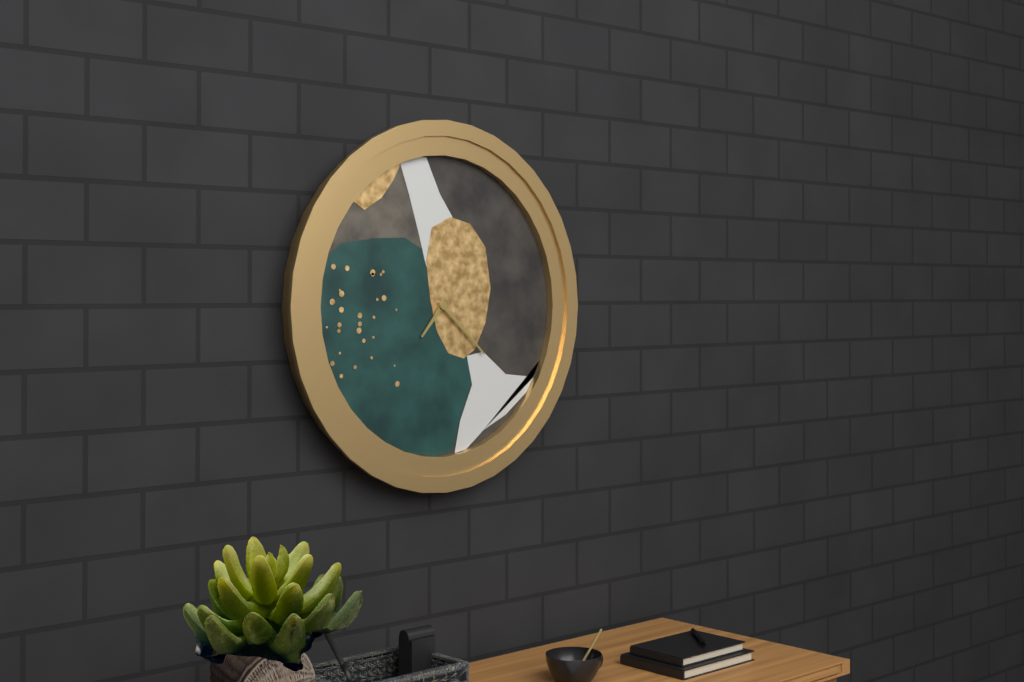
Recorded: h=7 m=22
